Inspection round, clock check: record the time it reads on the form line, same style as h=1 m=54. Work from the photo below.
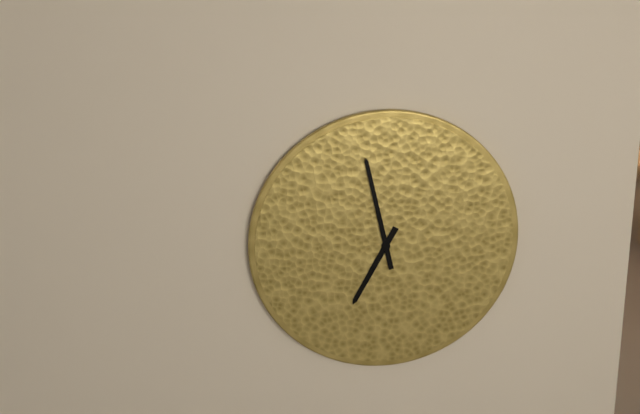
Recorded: h=6 m=58
